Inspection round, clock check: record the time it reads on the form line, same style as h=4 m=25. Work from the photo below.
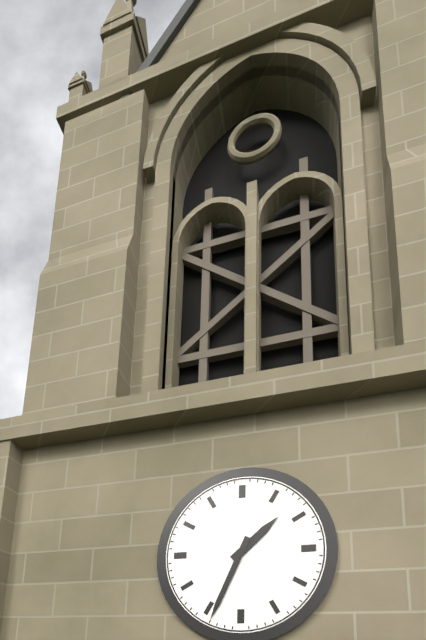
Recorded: h=1 m=34
